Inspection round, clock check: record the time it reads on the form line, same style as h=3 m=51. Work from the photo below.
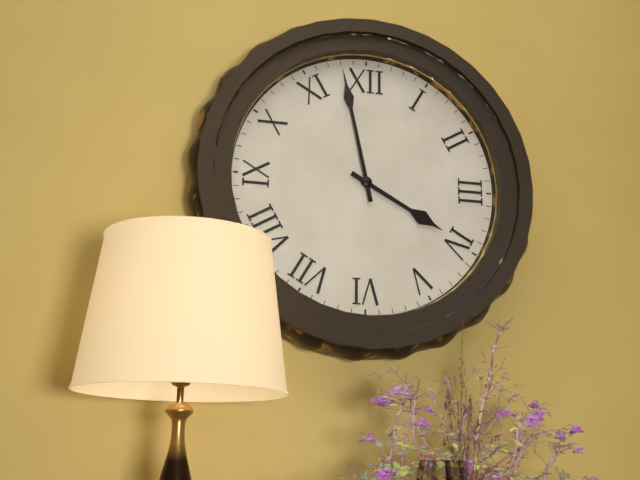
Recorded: h=3 m=58
